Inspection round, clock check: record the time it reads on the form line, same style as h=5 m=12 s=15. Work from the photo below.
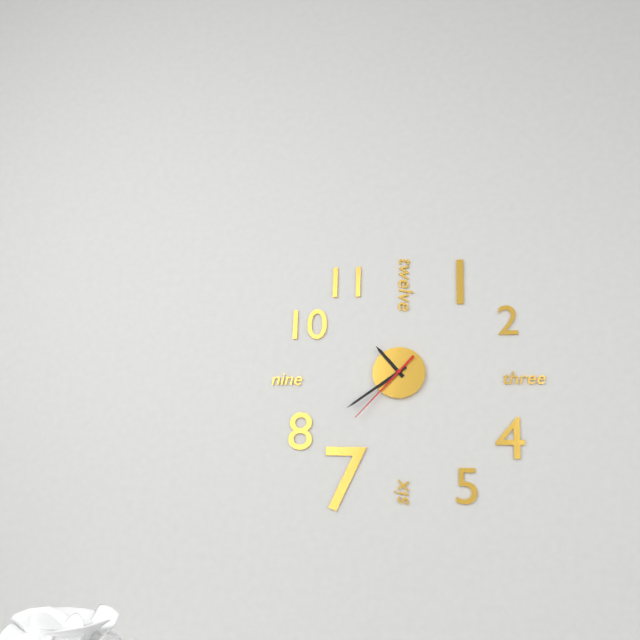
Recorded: h=10 m=39 s=37
